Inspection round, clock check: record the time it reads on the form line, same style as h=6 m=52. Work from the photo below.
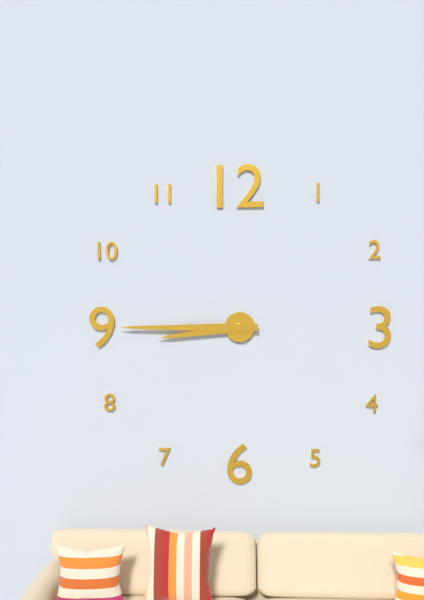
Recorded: h=8 m=45
